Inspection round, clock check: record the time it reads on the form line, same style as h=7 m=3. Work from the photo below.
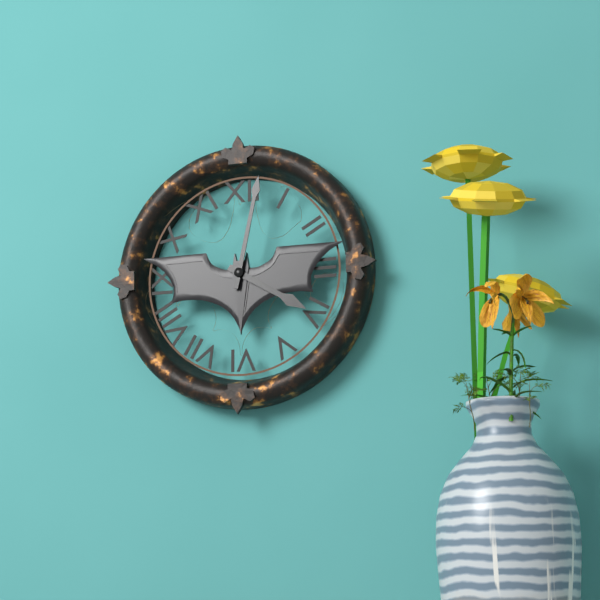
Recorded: h=4 m=2
